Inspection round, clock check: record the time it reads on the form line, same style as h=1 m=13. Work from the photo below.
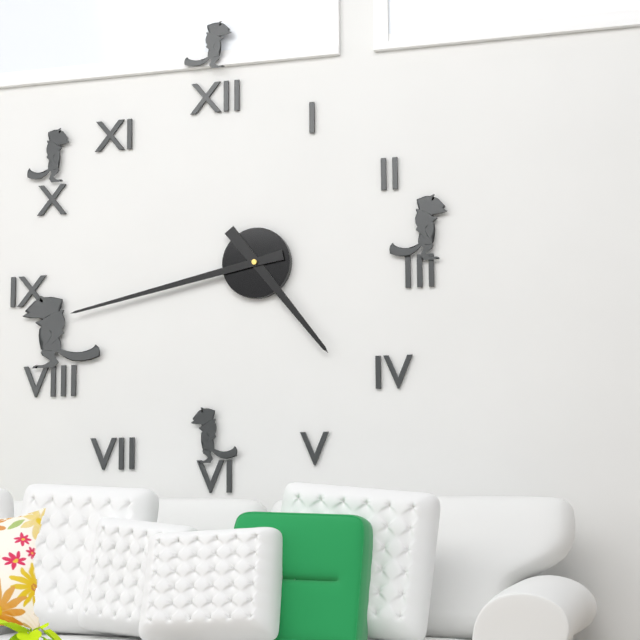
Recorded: h=4 m=43
